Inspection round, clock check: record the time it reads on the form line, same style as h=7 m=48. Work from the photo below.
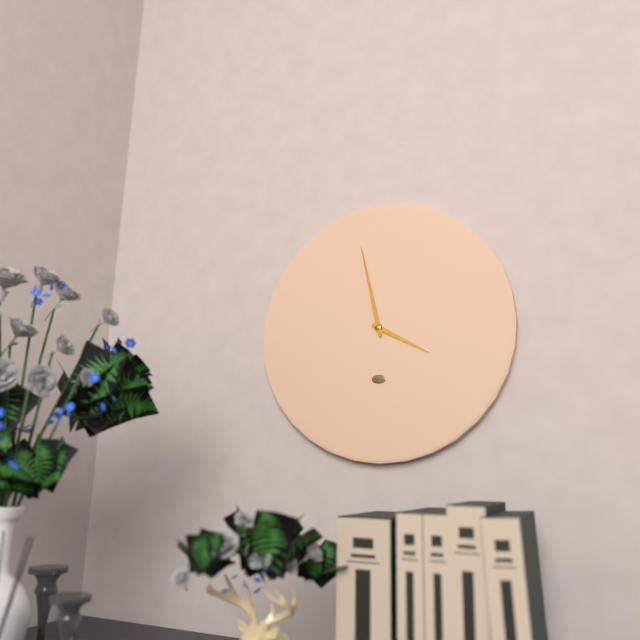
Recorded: h=3 m=58
